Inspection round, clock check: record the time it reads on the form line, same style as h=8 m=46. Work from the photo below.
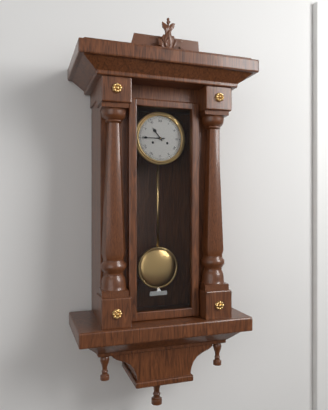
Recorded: h=10 m=45
